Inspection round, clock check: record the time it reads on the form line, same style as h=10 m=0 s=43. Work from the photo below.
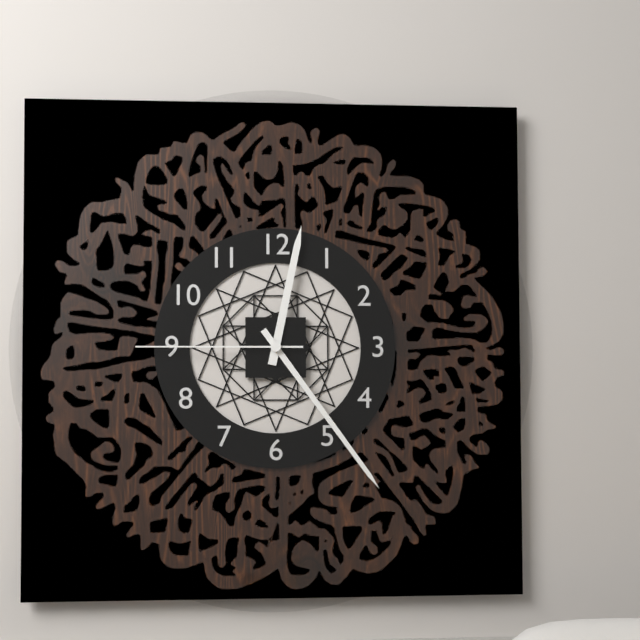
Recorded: h=12 m=24 s=45
